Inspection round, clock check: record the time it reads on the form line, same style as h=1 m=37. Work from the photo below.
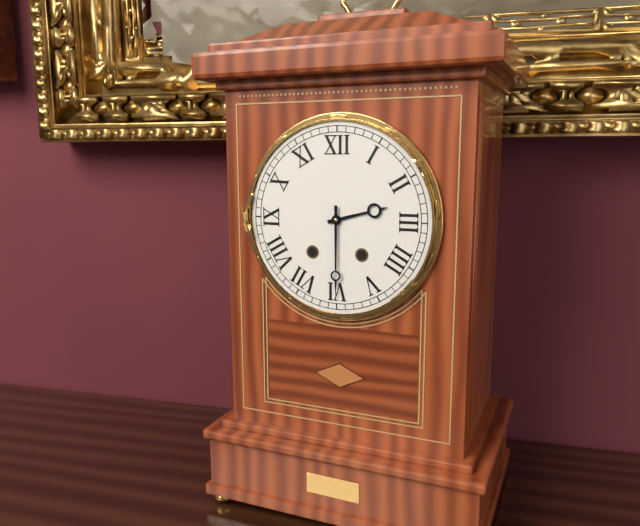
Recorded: h=2 m=30
